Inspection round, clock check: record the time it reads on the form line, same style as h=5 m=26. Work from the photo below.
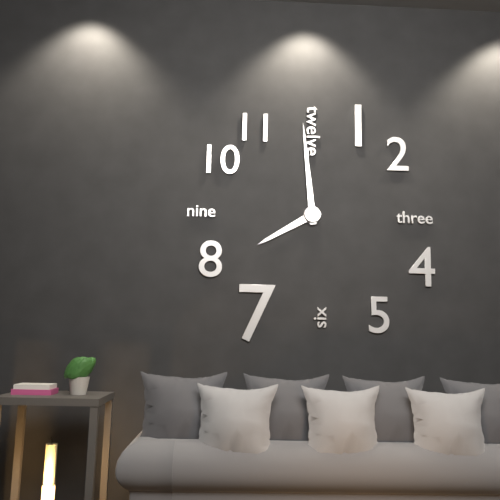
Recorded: h=7 m=59
